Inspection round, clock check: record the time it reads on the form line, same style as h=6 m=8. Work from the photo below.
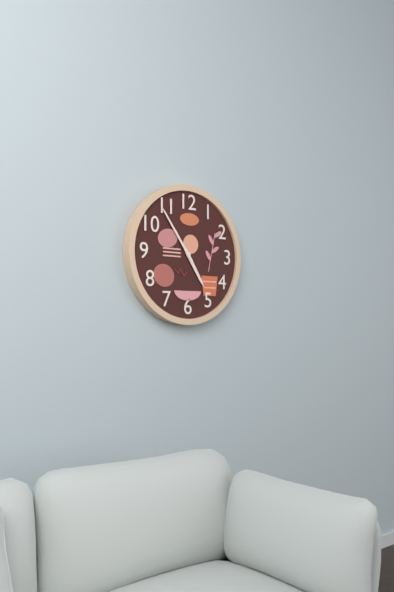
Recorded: h=4 m=54
